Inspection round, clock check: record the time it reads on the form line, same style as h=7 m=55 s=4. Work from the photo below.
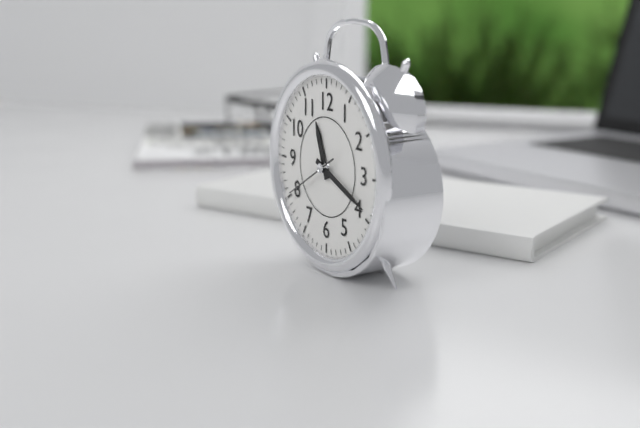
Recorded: h=11 m=19 s=40
